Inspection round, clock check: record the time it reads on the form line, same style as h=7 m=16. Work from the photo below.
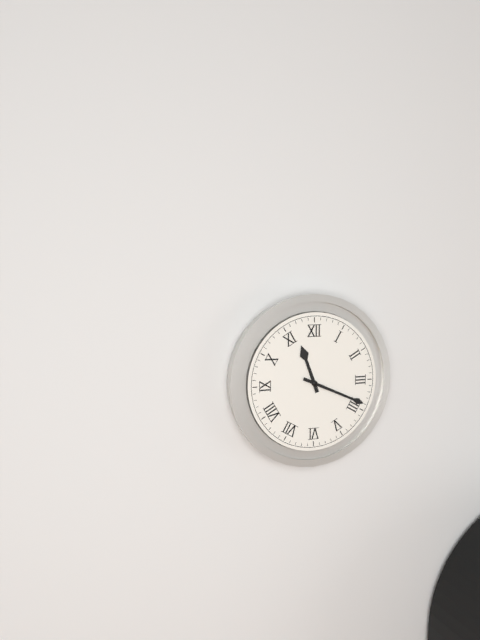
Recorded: h=11 m=19
